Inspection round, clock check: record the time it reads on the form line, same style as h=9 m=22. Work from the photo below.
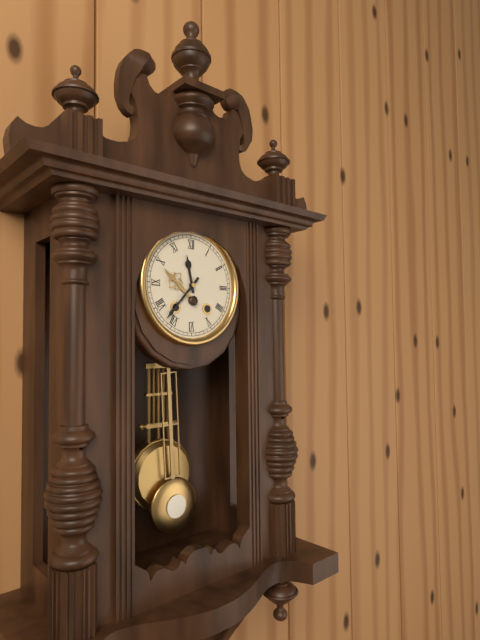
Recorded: h=11 m=37
